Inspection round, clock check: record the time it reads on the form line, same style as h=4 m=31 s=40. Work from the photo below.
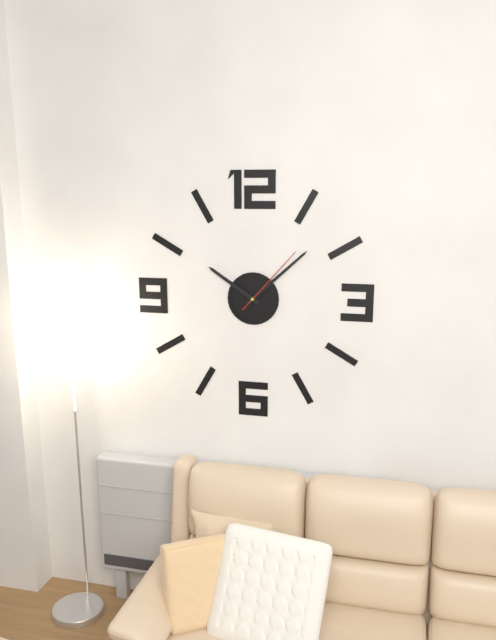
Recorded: h=10 m=8 s=7
